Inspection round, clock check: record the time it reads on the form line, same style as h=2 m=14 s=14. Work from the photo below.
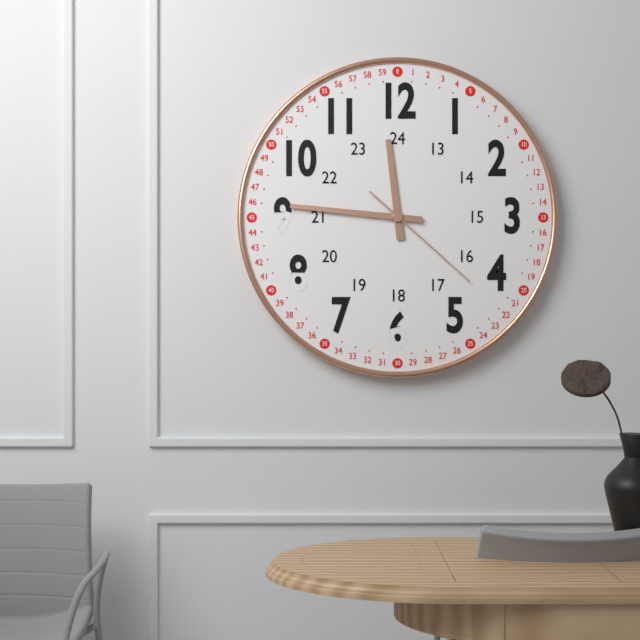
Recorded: h=11 m=46 s=22
